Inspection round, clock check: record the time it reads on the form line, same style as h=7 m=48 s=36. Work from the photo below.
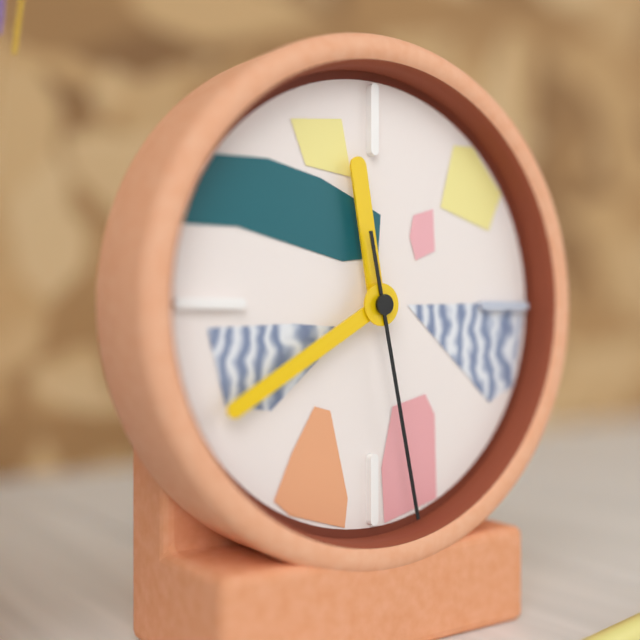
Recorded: h=11 m=40 s=28
